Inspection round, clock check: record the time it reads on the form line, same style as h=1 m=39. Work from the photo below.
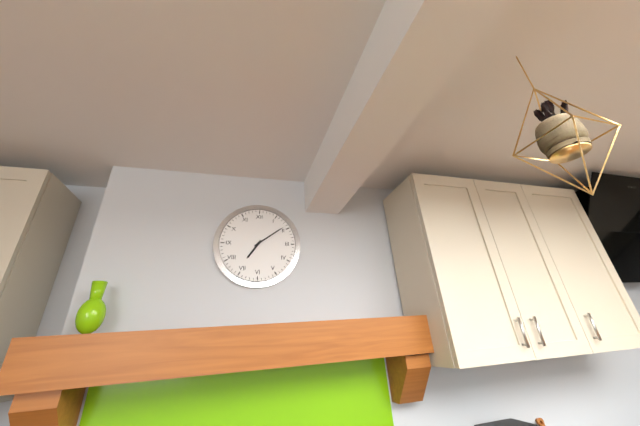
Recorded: h=7 m=9
